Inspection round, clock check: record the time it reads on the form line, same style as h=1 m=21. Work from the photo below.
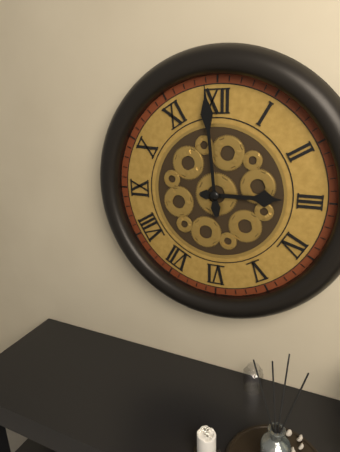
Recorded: h=2 m=59
